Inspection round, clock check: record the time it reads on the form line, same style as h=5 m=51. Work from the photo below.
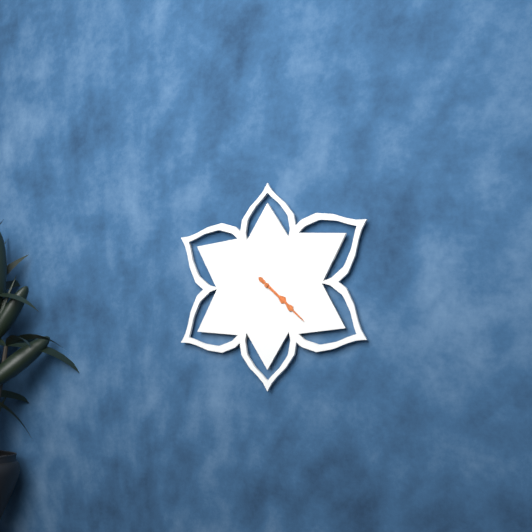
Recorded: h=4 m=22
